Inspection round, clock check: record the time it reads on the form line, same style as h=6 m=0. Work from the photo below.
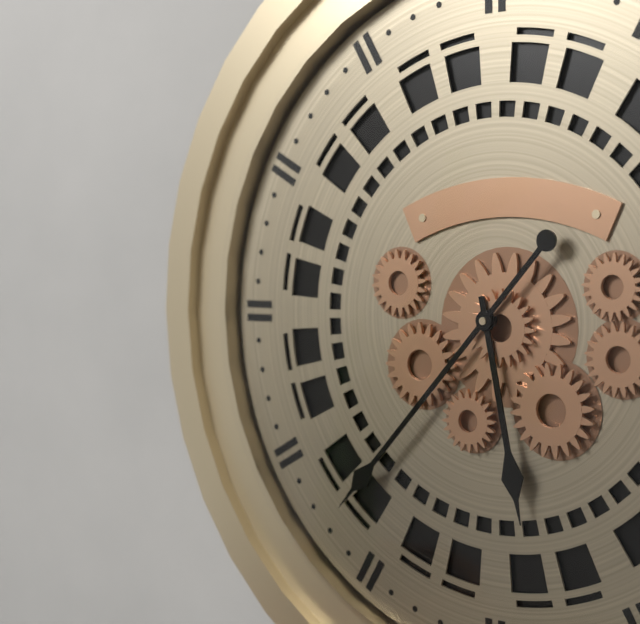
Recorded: h=5 m=37
